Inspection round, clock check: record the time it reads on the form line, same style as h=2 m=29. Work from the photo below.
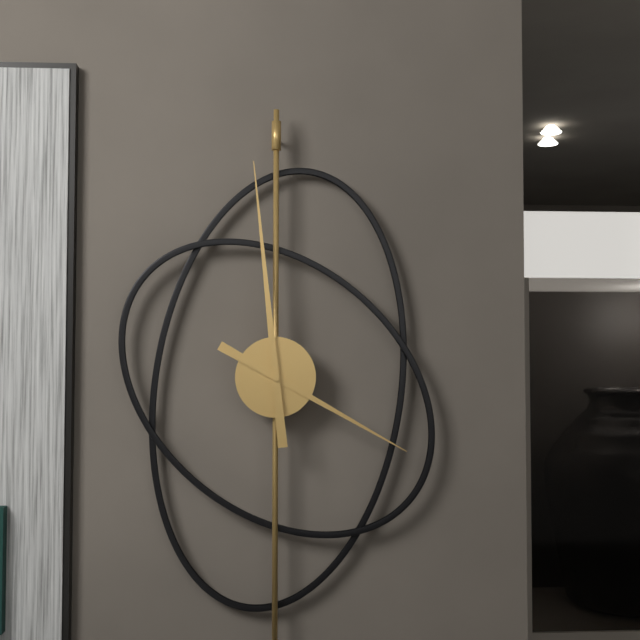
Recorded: h=3 m=59
